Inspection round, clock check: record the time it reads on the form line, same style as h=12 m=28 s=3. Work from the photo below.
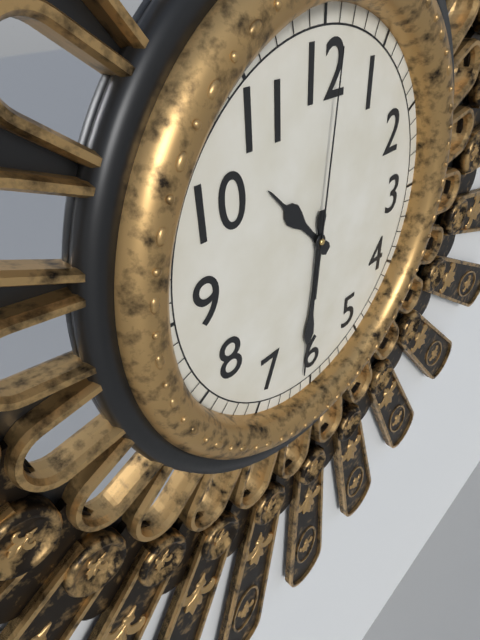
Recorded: h=10 m=31 s=1
